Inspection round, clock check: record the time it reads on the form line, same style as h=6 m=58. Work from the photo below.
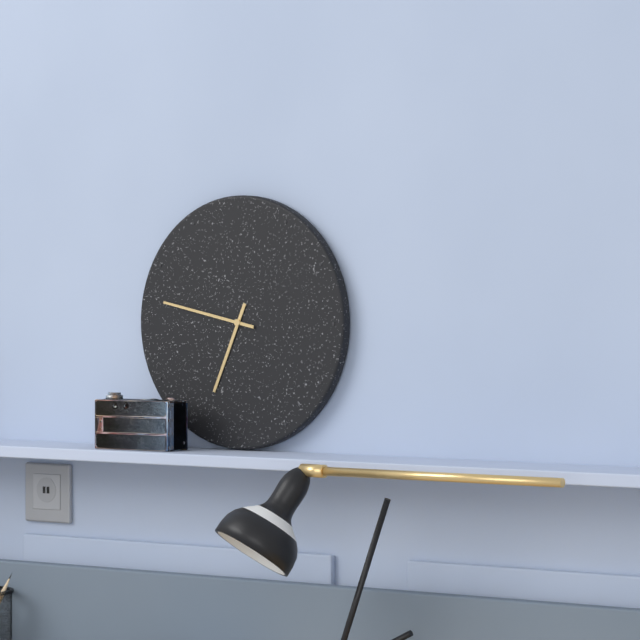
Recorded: h=6 m=47
